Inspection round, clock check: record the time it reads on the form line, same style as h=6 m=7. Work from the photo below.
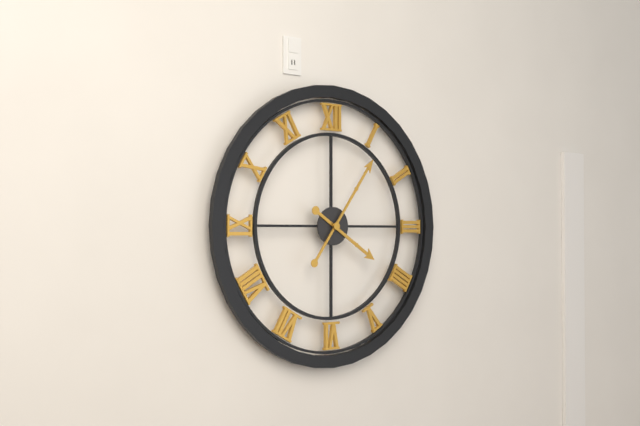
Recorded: h=4 m=6
